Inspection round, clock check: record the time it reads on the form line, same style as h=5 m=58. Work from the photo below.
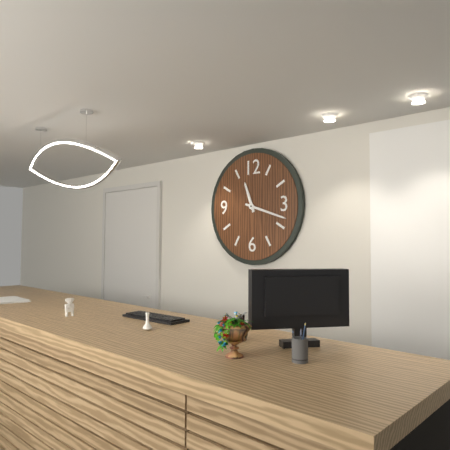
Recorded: h=11 m=18
